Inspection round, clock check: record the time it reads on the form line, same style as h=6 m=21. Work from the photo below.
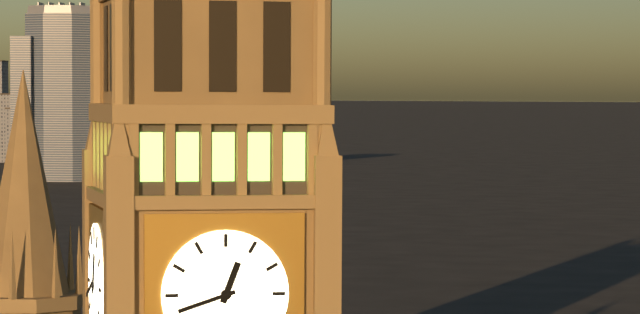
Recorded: h=12 m=42
